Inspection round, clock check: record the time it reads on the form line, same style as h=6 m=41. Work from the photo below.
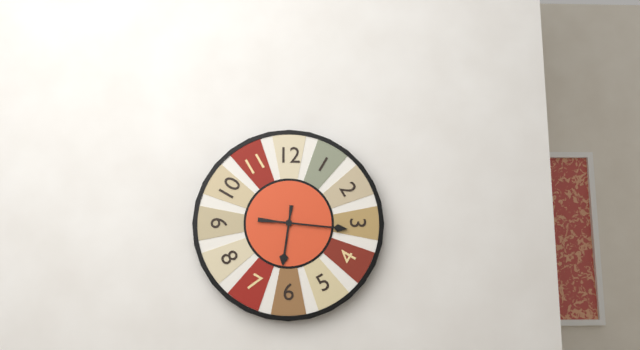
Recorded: h=6 m=16
